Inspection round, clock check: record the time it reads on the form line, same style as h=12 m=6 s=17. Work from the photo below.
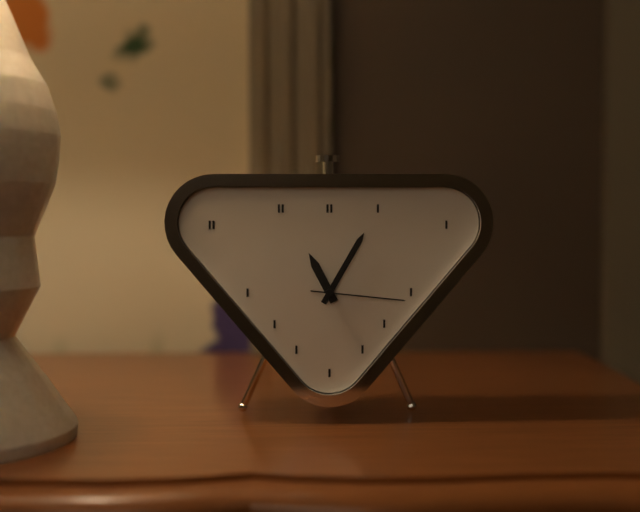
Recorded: h=11 m=5 s=16
